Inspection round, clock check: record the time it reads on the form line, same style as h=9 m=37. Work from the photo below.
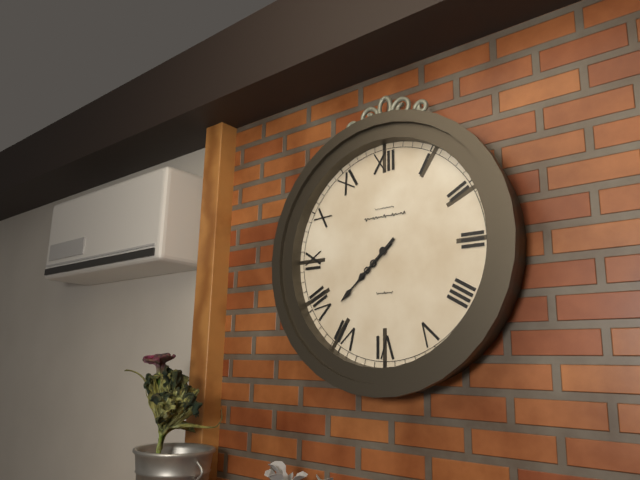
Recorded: h=7 m=38
